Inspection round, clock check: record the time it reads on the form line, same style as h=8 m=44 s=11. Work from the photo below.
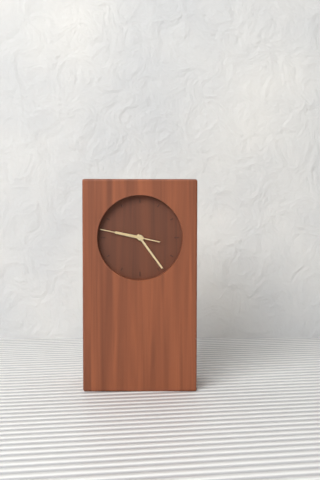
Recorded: h=9 m=24 s=47
